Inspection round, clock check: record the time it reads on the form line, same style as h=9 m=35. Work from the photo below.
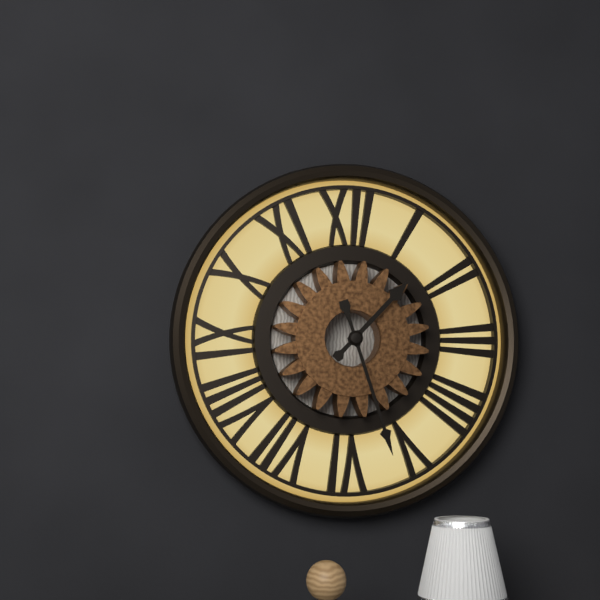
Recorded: h=1 m=27
